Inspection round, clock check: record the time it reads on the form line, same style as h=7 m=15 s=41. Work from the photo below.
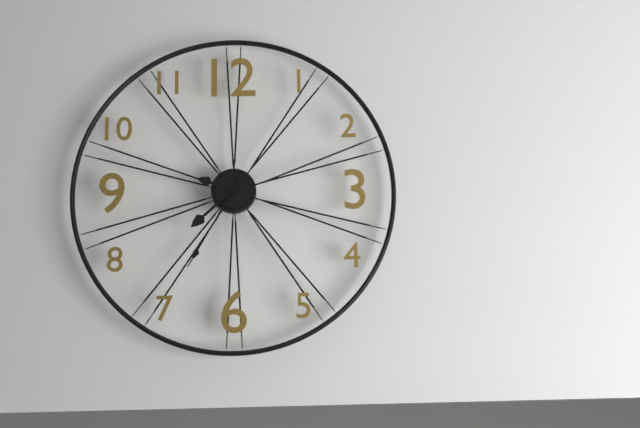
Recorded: h=9 m=38 s=35
